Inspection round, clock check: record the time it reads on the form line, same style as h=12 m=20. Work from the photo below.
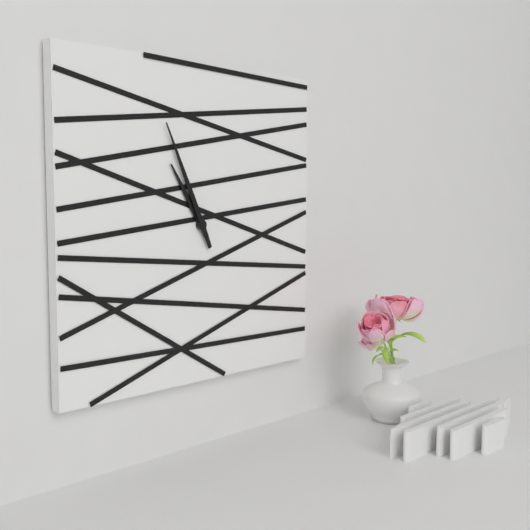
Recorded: h=10 m=56
